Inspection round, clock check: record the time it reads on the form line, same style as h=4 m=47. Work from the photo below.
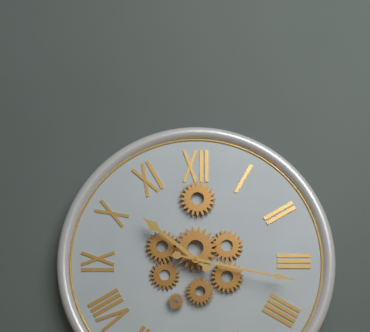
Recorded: h=10 m=17
